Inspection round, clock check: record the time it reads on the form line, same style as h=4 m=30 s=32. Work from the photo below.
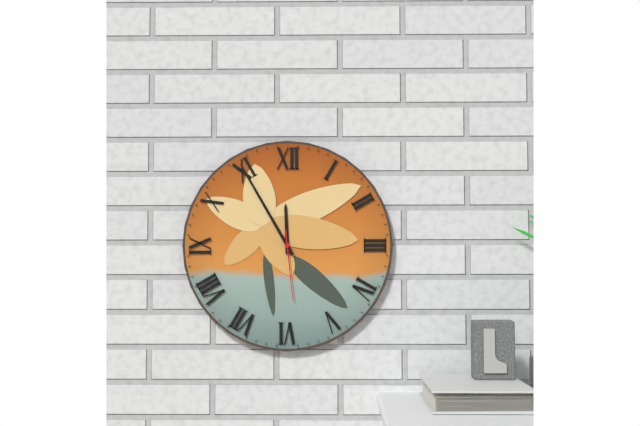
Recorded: h=11 m=55 s=29
